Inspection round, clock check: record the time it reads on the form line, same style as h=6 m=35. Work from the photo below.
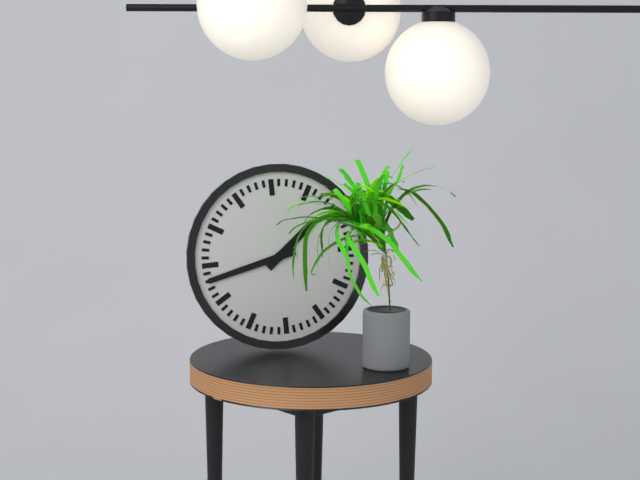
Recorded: h=1 m=43
